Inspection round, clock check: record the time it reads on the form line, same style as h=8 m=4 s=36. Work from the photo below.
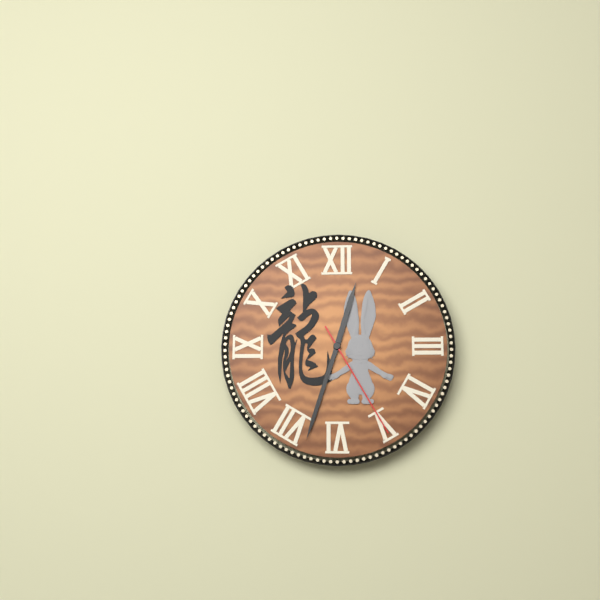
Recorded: h=12 m=33 s=25
